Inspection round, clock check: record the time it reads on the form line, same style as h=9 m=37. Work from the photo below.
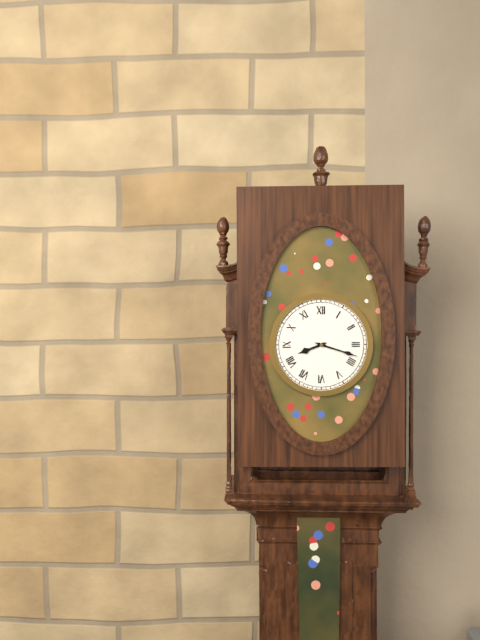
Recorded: h=8 m=18
